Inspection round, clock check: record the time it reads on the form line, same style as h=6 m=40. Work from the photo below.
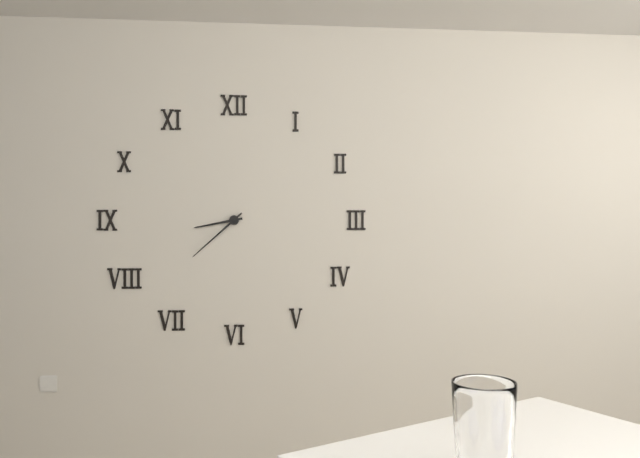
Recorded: h=8 m=38
